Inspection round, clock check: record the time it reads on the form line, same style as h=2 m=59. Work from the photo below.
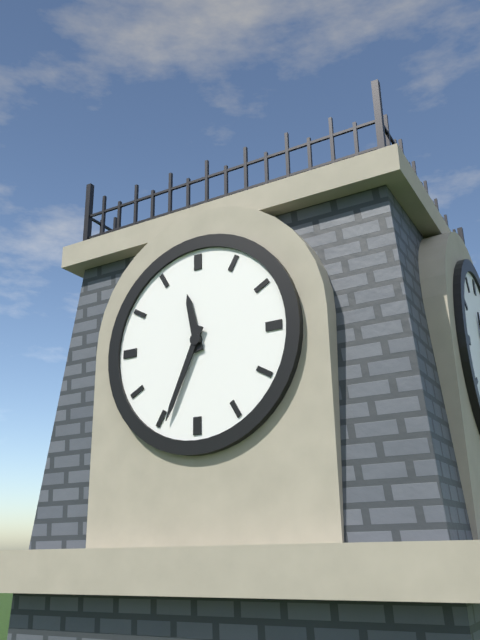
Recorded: h=11 m=34
